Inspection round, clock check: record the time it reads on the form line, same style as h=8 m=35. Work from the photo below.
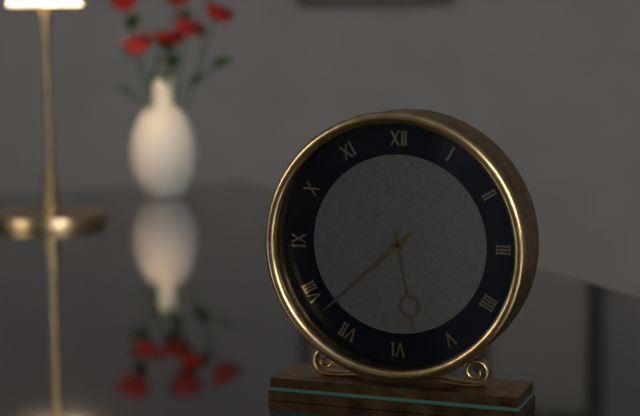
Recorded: h=5 m=38
